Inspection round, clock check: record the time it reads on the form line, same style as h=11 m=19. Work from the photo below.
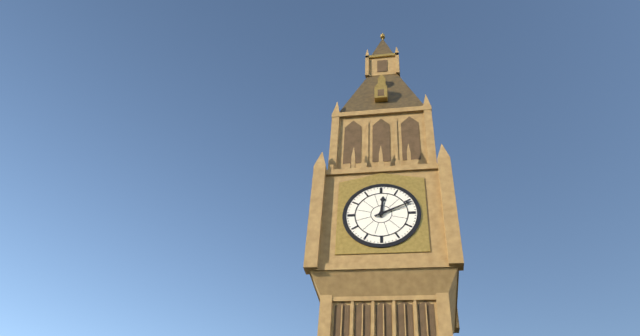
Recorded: h=12 m=11
